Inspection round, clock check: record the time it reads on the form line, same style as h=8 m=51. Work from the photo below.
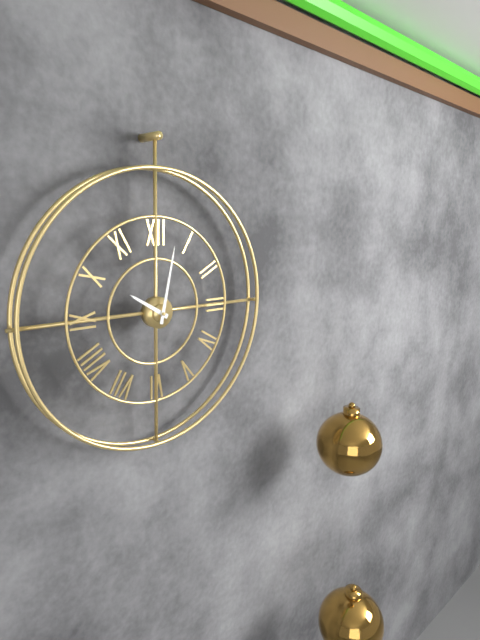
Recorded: h=10 m=2
